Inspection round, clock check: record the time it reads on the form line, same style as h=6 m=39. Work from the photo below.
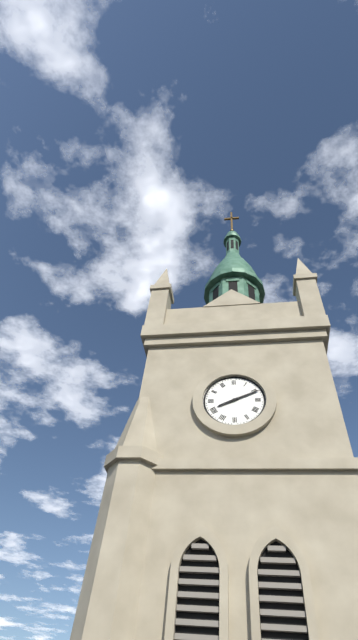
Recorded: h=8 m=11
